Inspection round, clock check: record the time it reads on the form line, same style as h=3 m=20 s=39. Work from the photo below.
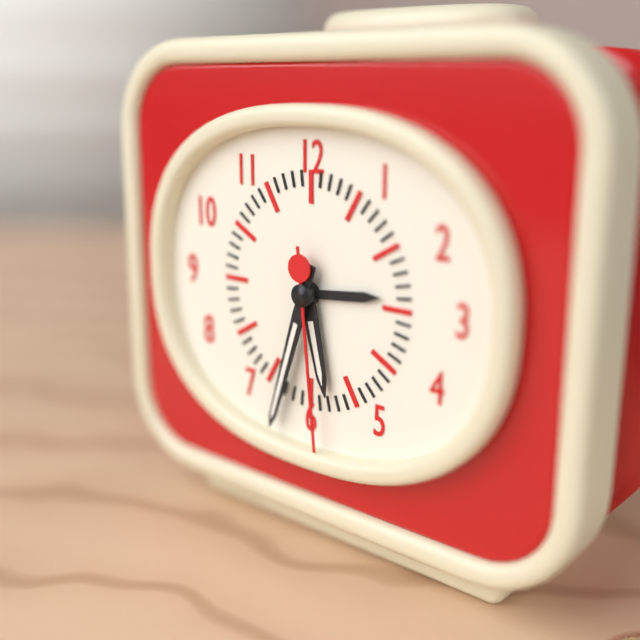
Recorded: h=5 m=33 s=29
